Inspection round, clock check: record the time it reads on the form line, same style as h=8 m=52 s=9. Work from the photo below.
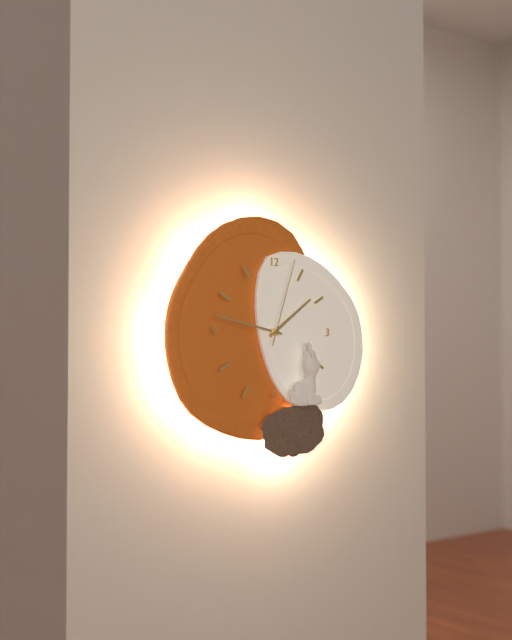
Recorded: h=1 m=47 s=3
